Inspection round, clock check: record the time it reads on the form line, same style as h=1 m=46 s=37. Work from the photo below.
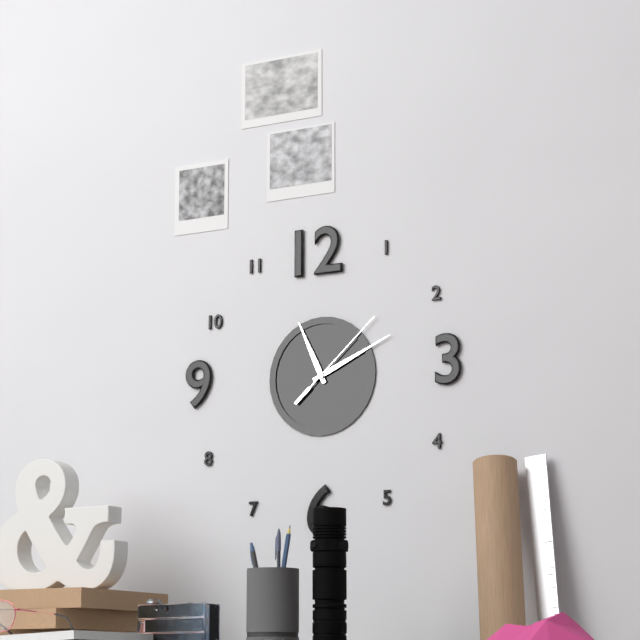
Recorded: h=11 m=11 s=8
